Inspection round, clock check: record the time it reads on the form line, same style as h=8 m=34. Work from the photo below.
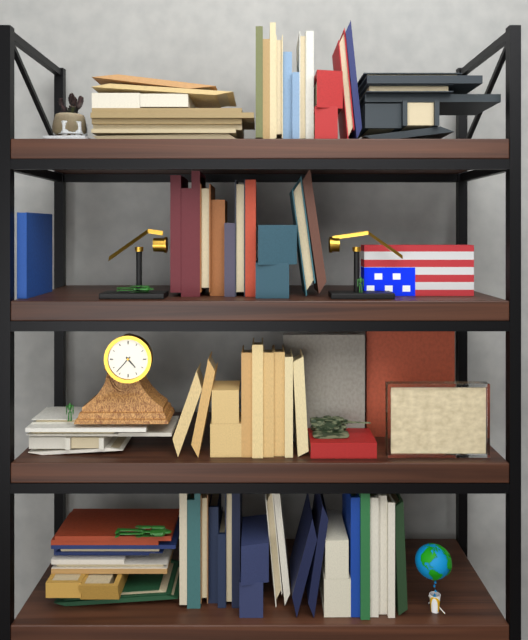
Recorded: h=4 m=37
